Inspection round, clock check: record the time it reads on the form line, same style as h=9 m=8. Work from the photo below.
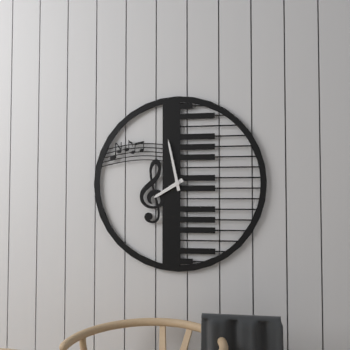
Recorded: h=7 m=58
